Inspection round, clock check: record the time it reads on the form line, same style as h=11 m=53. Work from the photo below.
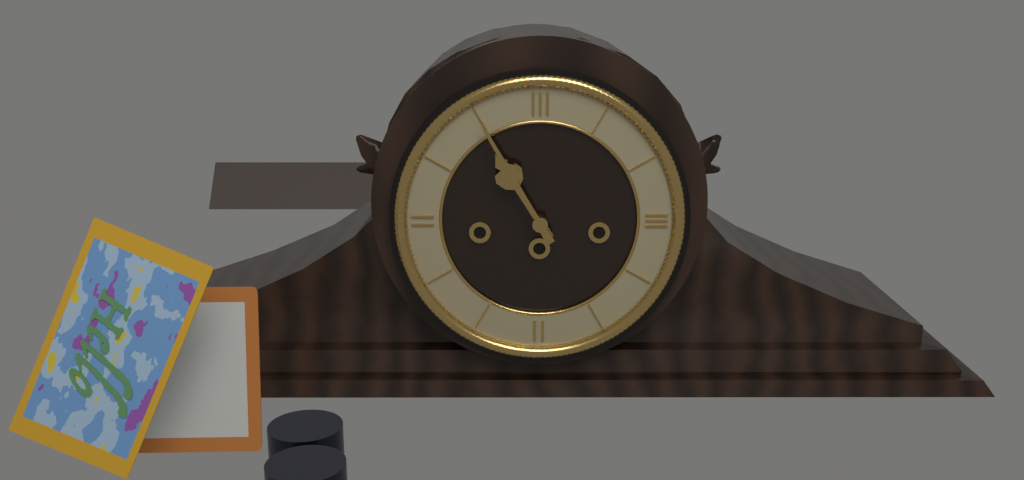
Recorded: h=10 m=55
